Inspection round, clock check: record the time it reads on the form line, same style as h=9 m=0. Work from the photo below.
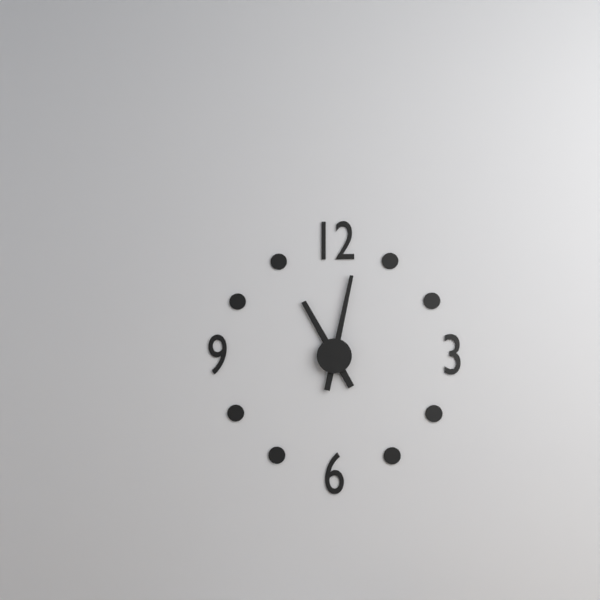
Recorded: h=11 m=2
